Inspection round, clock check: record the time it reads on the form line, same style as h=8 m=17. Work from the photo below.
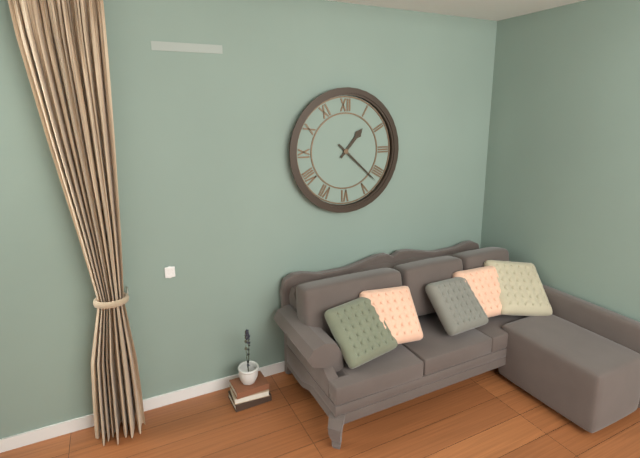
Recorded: h=1 m=22
